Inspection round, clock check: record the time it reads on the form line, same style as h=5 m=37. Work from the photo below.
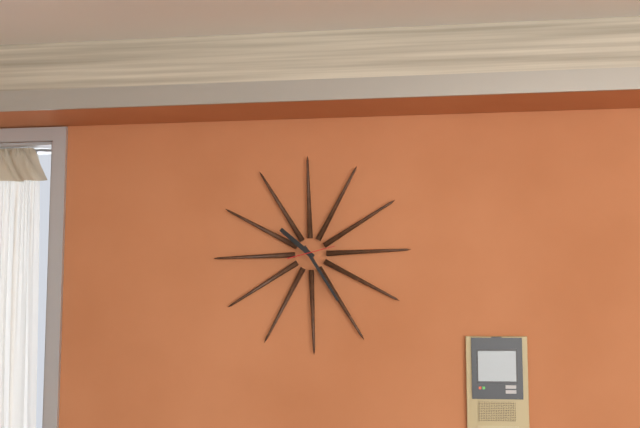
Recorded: h=10 m=25
